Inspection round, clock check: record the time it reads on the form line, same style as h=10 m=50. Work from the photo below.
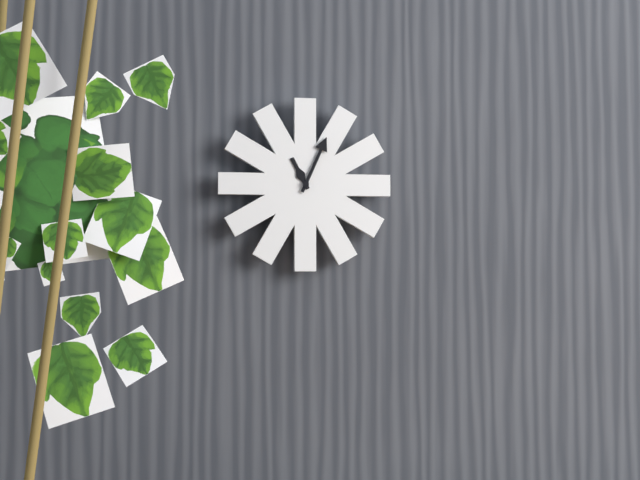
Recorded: h=11 m=4
